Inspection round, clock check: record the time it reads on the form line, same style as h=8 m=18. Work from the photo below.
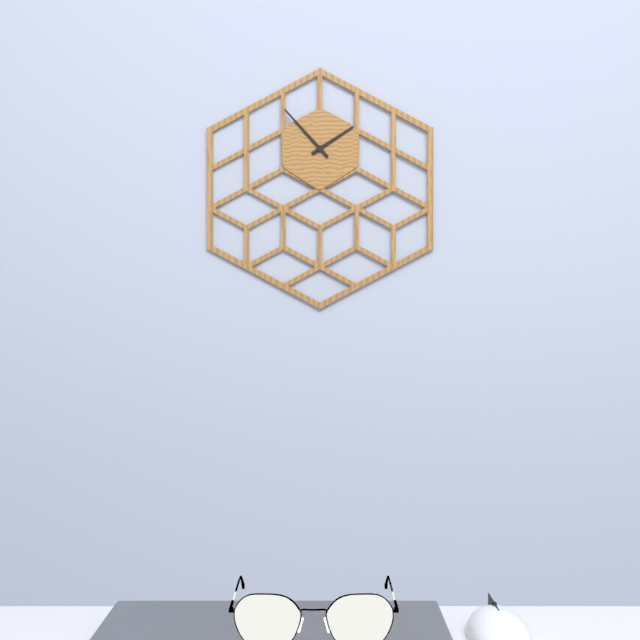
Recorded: h=1 m=53
